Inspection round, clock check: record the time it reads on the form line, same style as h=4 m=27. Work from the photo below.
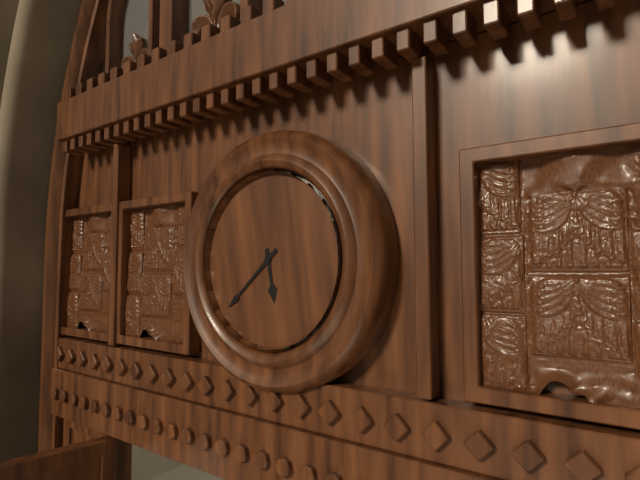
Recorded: h=5 m=38
